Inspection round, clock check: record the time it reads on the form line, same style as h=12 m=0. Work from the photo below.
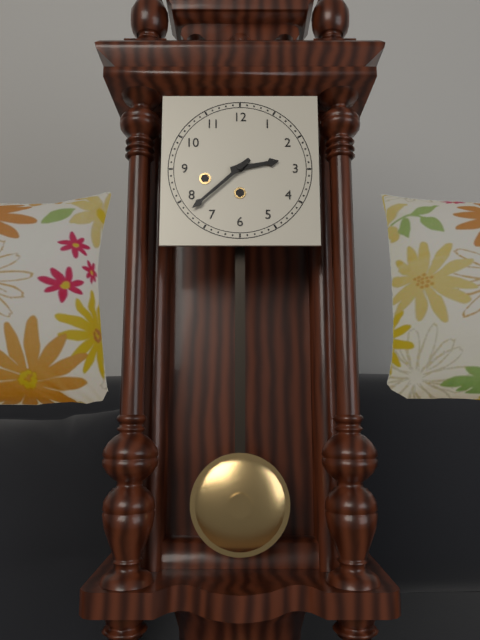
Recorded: h=2 m=38
